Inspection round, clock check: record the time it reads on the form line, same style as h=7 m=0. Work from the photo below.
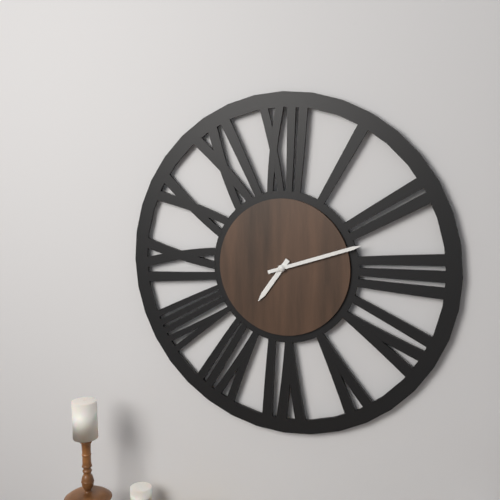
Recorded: h=7 m=12
